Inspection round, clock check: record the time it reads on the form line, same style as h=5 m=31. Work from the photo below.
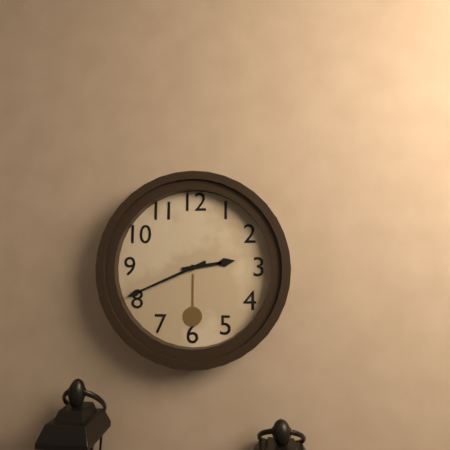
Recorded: h=2 m=41
